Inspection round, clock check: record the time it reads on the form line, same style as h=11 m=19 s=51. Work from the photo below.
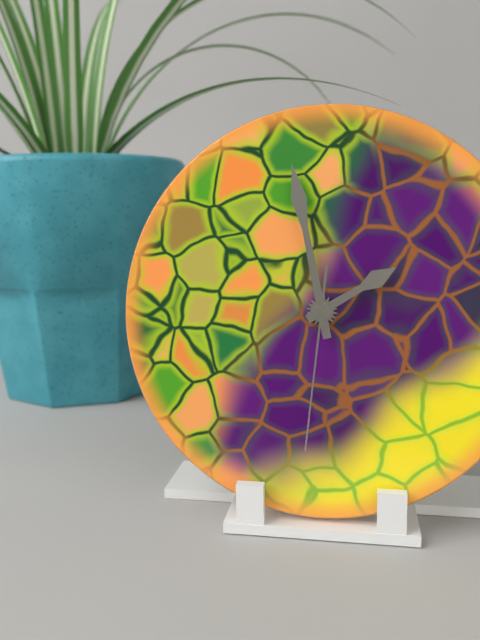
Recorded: h=1 m=58 s=31
